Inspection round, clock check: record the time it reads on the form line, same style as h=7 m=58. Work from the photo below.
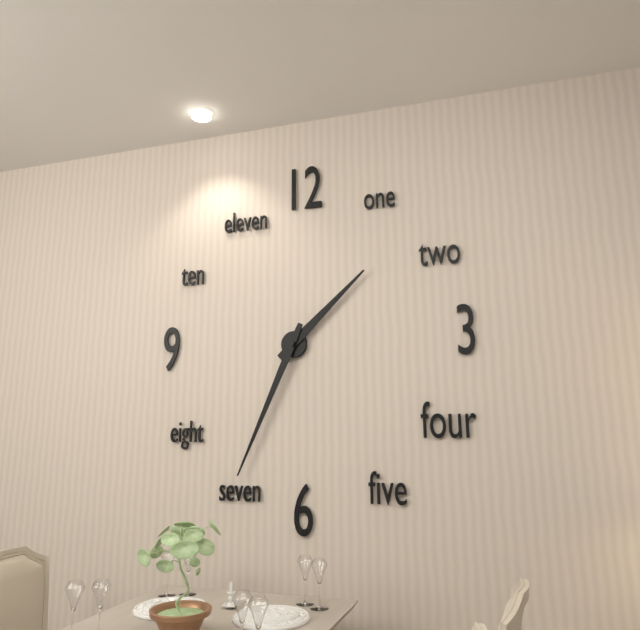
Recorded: h=1 m=34
